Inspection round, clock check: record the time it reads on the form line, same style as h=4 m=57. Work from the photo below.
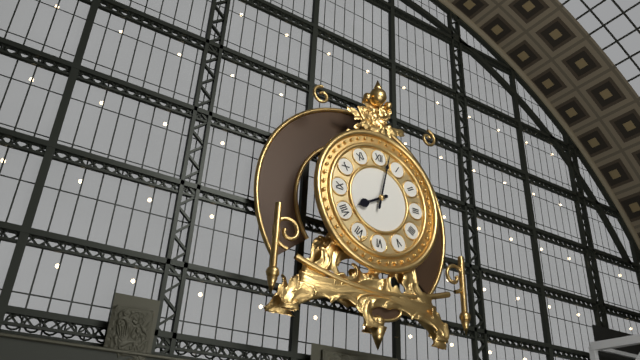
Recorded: h=8 m=2
